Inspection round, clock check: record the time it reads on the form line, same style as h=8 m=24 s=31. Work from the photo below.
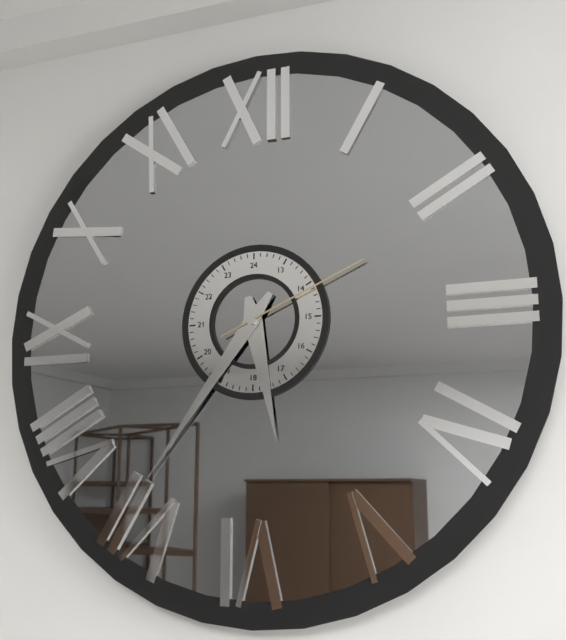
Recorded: h=5 m=36 s=11
